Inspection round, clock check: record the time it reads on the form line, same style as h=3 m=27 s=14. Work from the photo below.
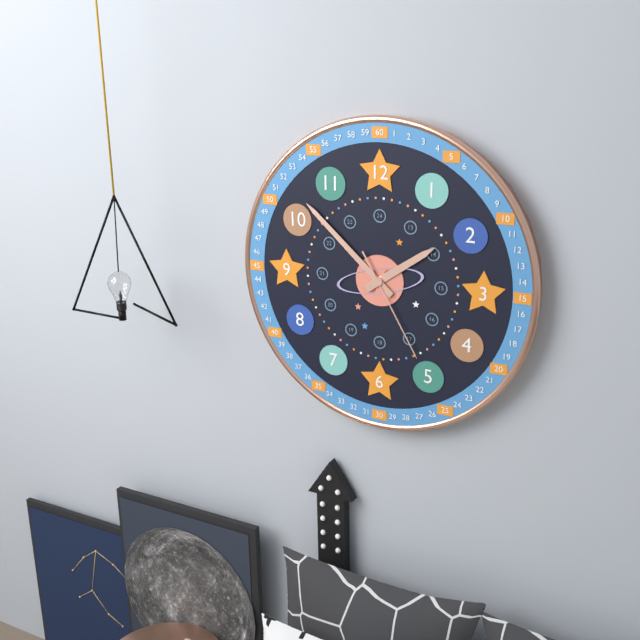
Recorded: h=1 m=52 s=25
